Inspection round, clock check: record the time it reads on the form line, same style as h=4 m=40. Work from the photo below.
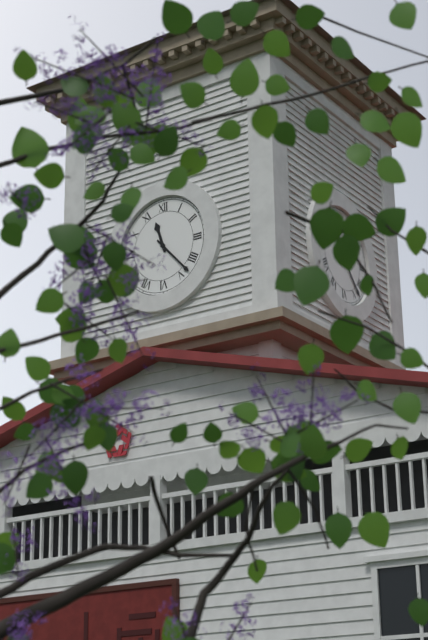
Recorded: h=11 m=23
